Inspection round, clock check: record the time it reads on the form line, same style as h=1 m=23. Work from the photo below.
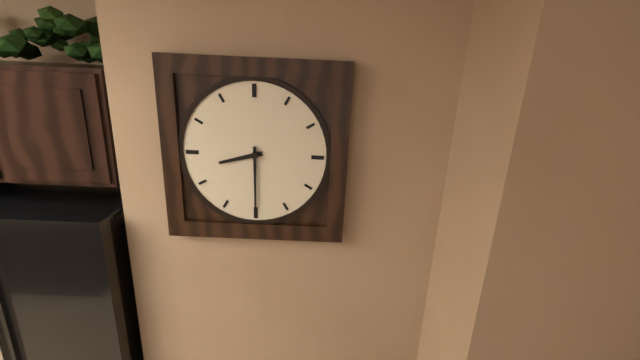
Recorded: h=8 m=30
